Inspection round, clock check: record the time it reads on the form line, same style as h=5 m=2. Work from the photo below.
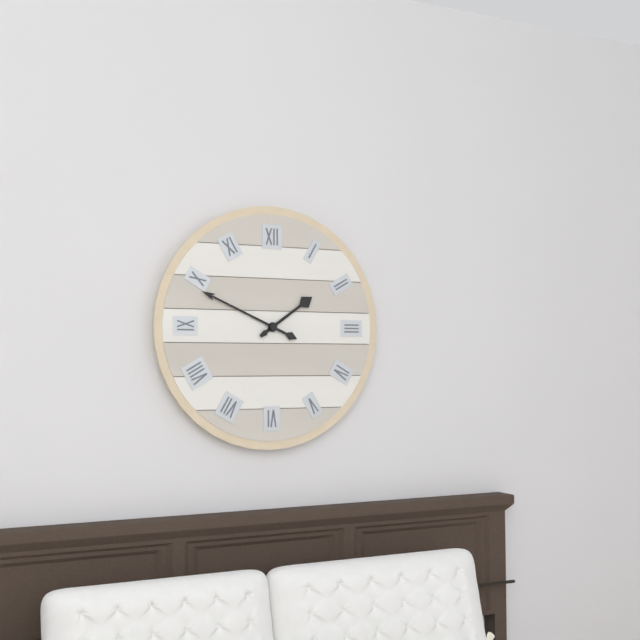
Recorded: h=1 m=49
